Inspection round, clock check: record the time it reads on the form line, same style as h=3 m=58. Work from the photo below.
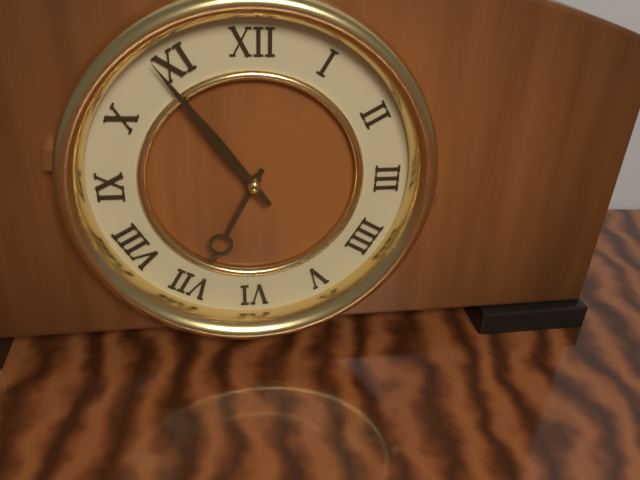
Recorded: h=6 m=54
